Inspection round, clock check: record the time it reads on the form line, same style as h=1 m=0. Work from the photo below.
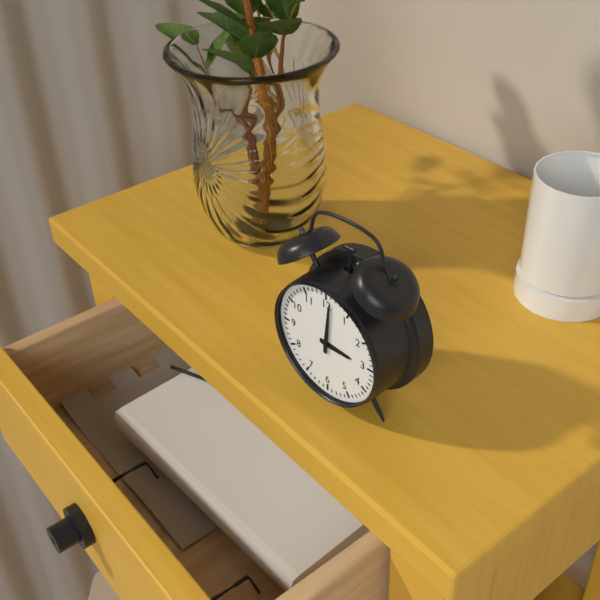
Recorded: h=3 m=1
